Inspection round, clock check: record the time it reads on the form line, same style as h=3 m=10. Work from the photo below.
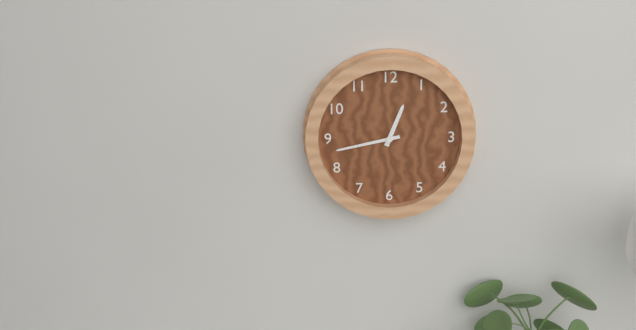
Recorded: h=12 m=43
